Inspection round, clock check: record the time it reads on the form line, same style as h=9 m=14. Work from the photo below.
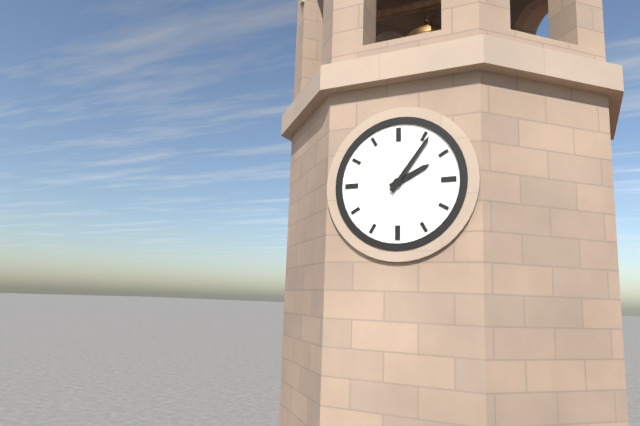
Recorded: h=2 m=6
